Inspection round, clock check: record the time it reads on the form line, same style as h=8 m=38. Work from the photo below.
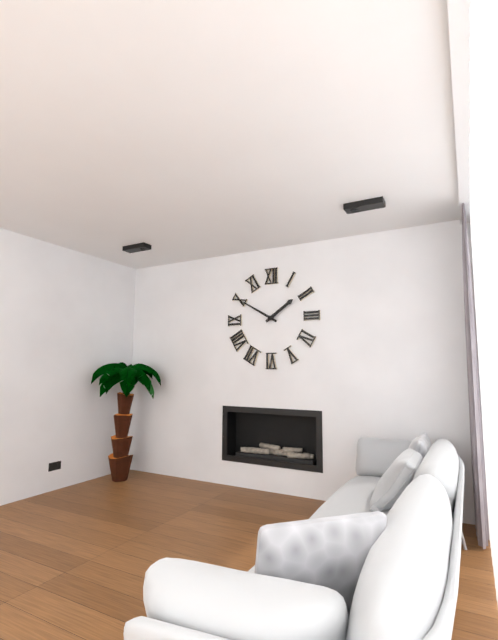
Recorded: h=1 m=50
